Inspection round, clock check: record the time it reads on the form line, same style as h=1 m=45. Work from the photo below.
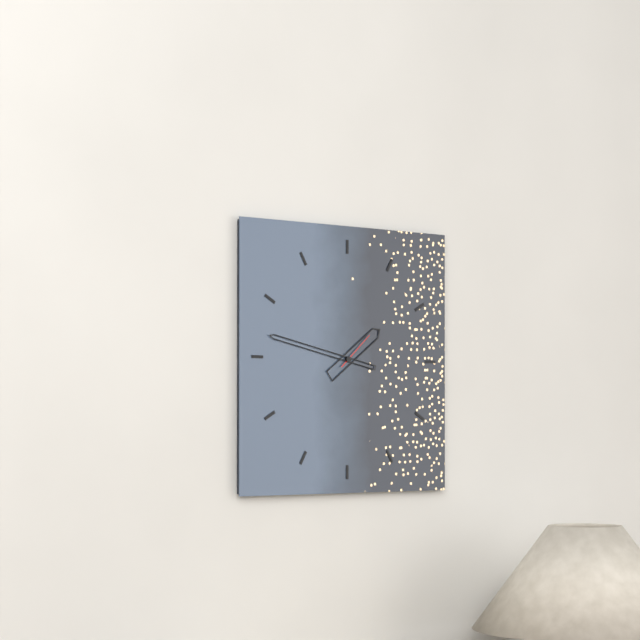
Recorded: h=1 m=47
